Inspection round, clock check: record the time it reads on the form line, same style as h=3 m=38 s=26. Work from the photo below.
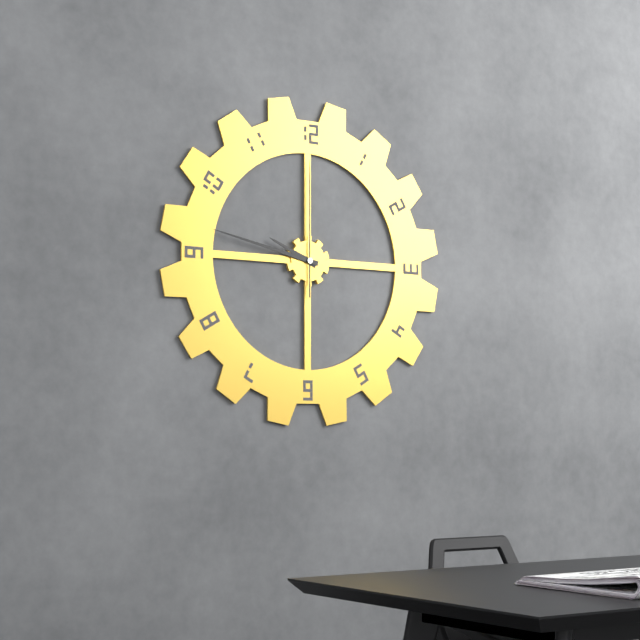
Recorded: h=9 m=47 s=0
